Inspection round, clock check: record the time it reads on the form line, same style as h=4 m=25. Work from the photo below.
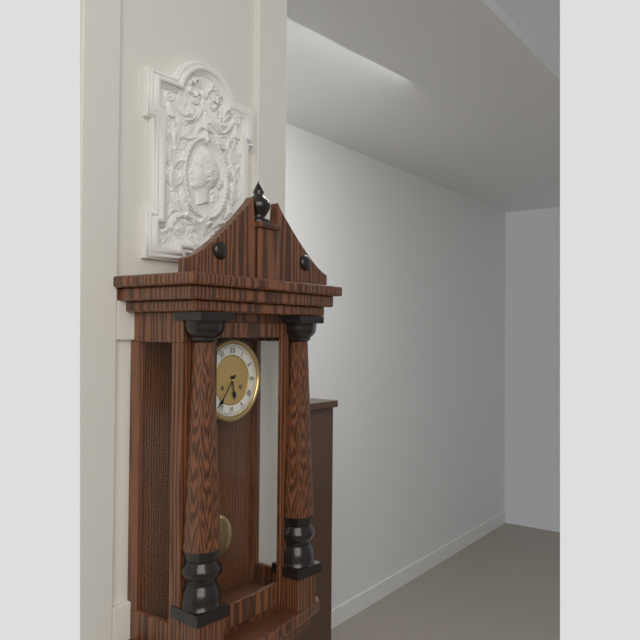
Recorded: h=5 m=36
